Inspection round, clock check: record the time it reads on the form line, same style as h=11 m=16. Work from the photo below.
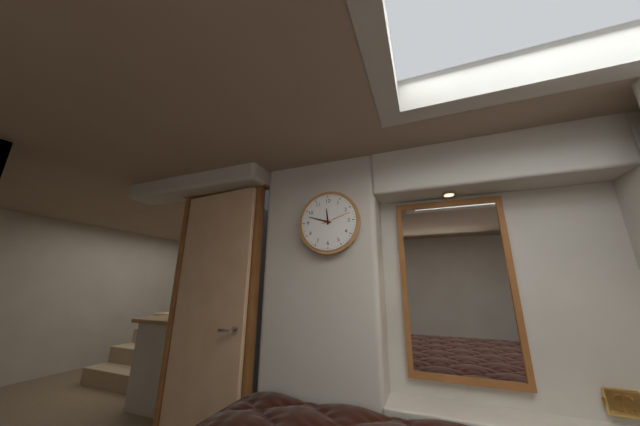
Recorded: h=11 m=48
